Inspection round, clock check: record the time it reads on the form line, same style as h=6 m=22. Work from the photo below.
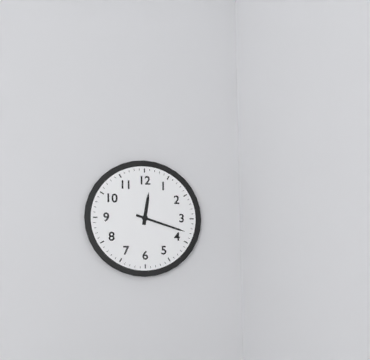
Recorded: h=12 m=18
